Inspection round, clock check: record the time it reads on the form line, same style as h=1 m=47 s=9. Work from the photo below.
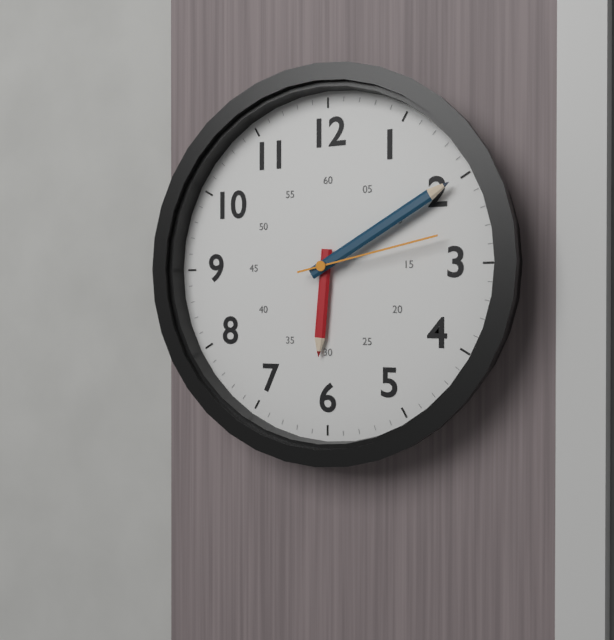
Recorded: h=6 m=10 s=13
